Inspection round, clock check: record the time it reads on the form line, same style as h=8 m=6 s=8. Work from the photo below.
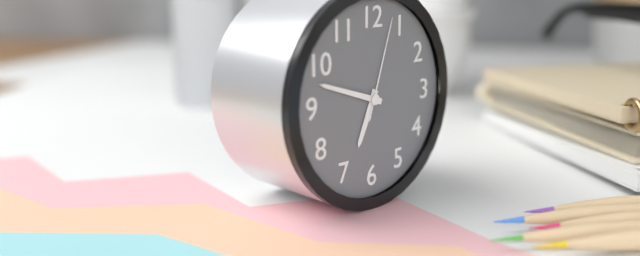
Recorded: h=6 m=48 s=3
